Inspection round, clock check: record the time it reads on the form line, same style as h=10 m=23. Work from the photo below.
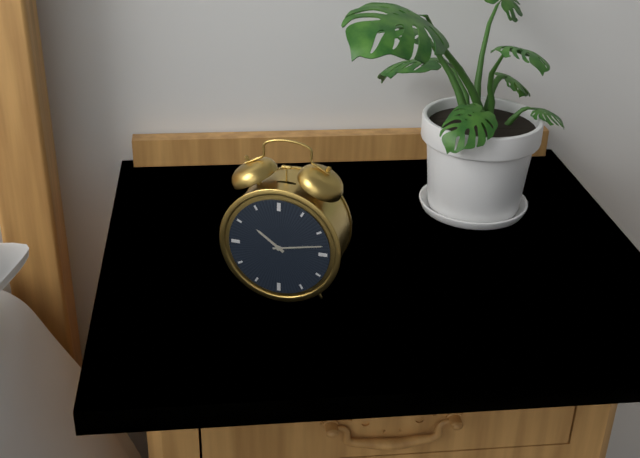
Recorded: h=10 m=13
